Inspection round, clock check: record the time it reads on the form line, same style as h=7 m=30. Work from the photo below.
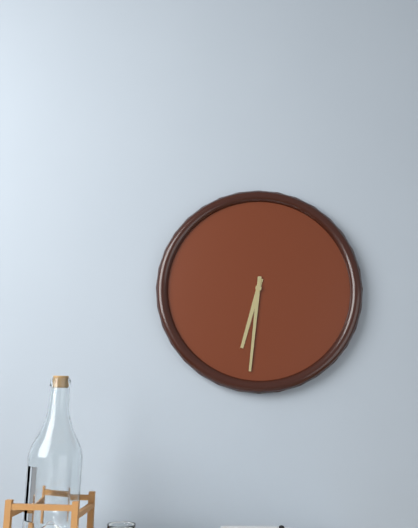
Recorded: h=6 m=31
